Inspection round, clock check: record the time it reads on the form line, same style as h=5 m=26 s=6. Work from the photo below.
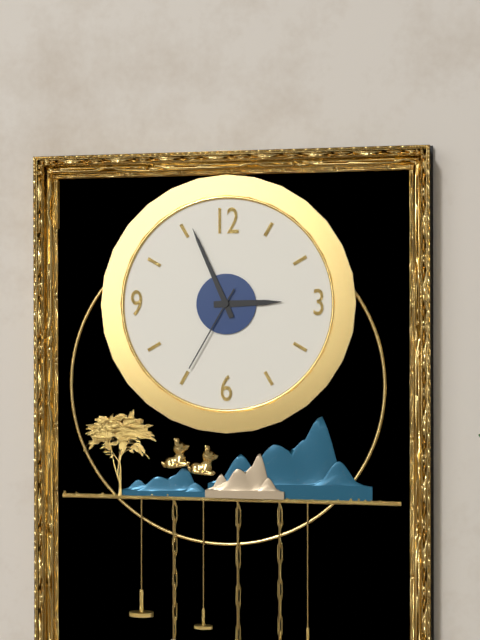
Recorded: h=2 m=56 s=35
